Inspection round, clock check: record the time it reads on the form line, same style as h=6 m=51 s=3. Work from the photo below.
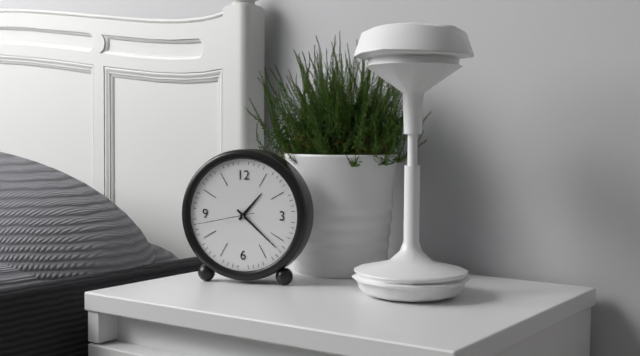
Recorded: h=1 m=22 s=43
